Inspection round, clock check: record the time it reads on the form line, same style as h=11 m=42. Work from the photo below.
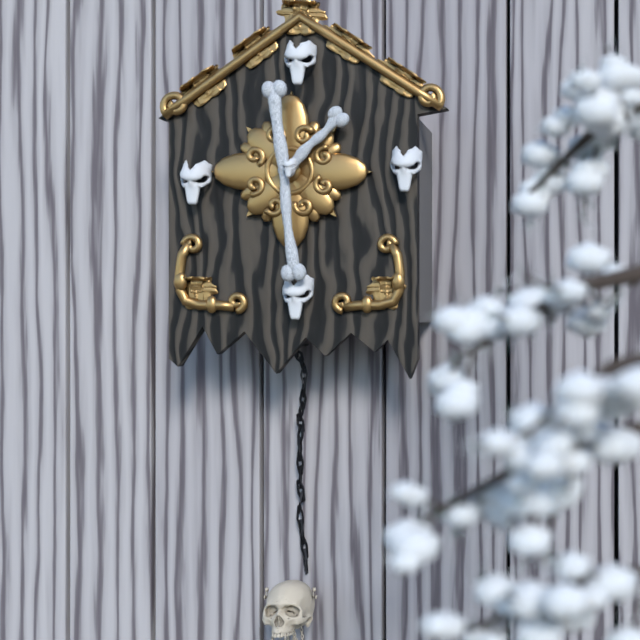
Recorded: h=1 m=29
